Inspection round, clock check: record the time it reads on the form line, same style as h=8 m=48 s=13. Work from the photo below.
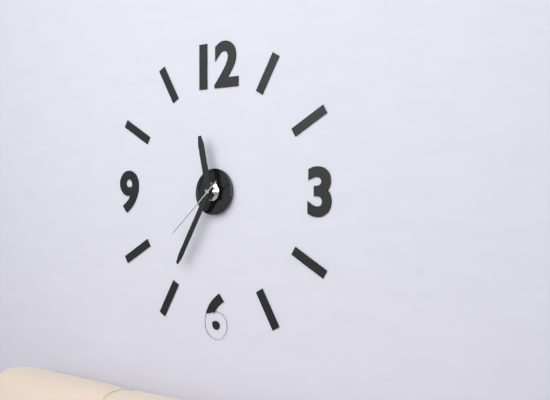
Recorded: h=11 m=35 s=38
